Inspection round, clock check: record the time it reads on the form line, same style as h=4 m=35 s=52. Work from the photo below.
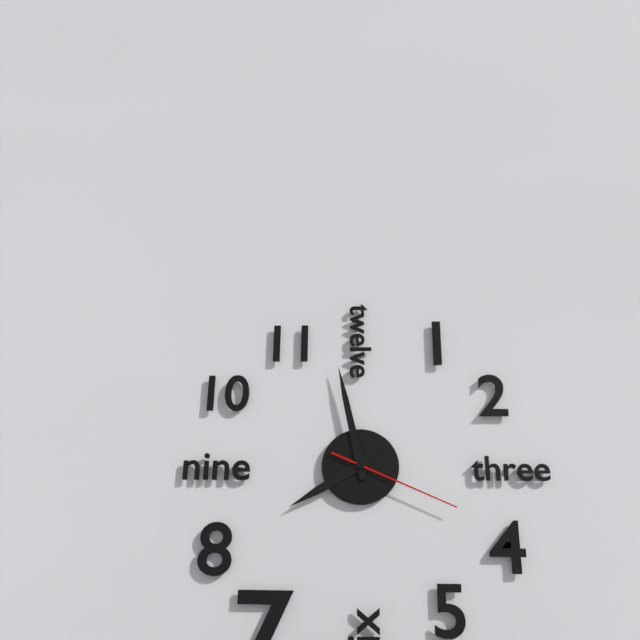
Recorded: h=7 m=58 s=19
